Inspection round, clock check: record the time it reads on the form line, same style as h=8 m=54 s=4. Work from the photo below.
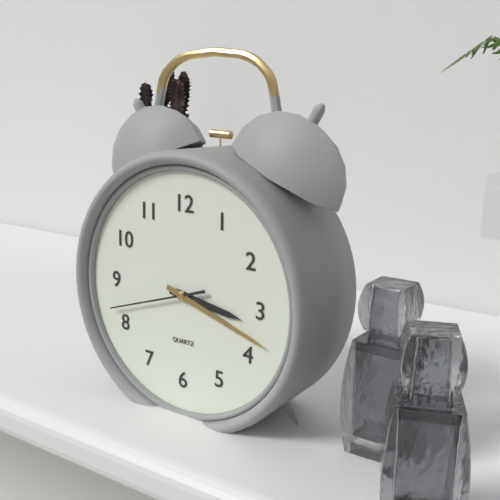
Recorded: h=3 m=18 s=42
